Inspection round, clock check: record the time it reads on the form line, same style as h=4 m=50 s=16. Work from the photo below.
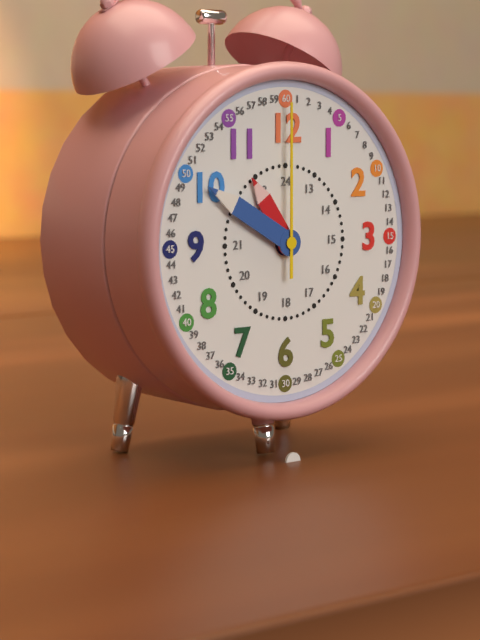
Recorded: h=10 m=50 s=0
